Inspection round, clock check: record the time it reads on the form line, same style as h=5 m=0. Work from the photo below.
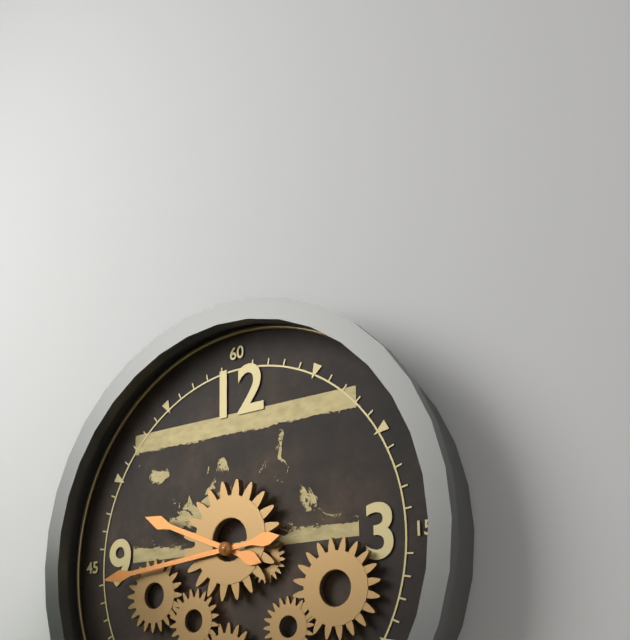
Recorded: h=9 m=44
